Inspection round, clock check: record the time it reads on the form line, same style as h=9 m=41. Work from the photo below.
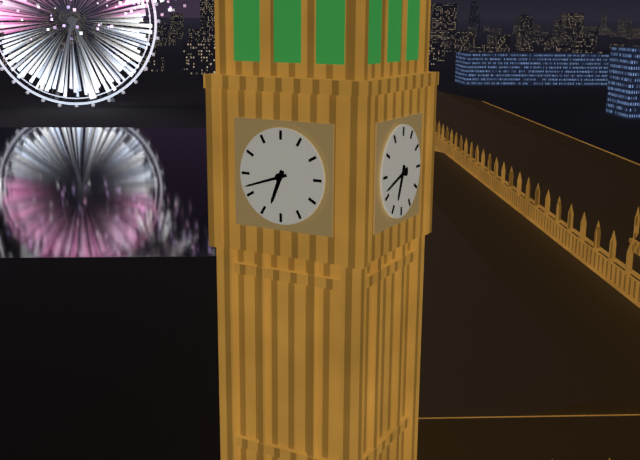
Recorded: h=6 m=42
